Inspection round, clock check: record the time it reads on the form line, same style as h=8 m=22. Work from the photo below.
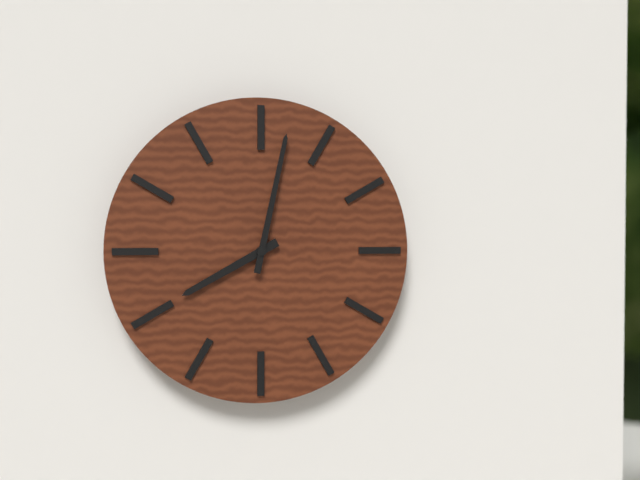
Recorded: h=8 m=2
